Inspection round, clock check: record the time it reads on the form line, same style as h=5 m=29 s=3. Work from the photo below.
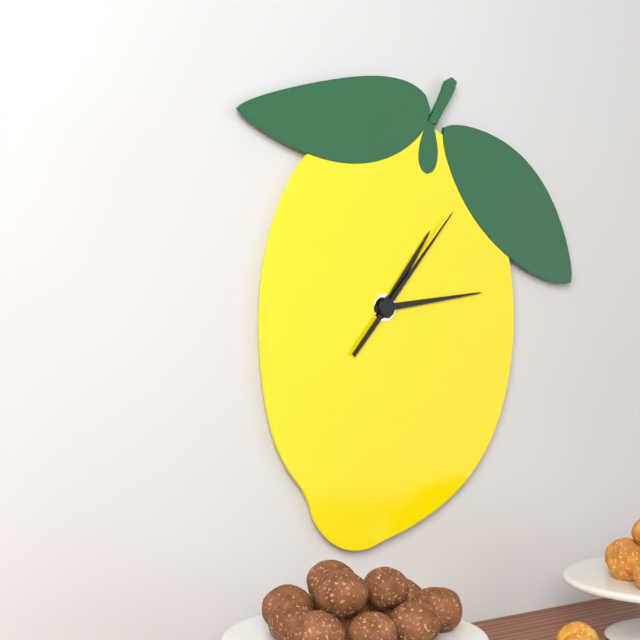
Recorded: h=1 m=14 s=7
